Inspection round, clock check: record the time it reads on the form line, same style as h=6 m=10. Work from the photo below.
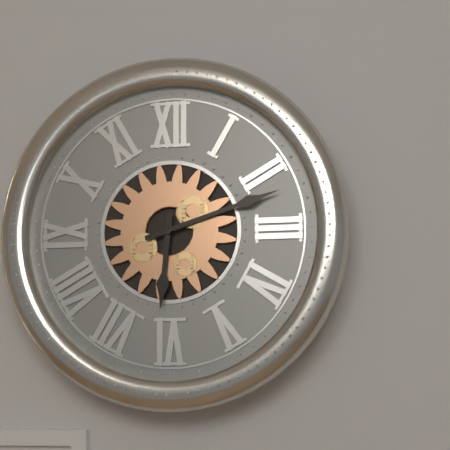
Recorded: h=6 m=12
